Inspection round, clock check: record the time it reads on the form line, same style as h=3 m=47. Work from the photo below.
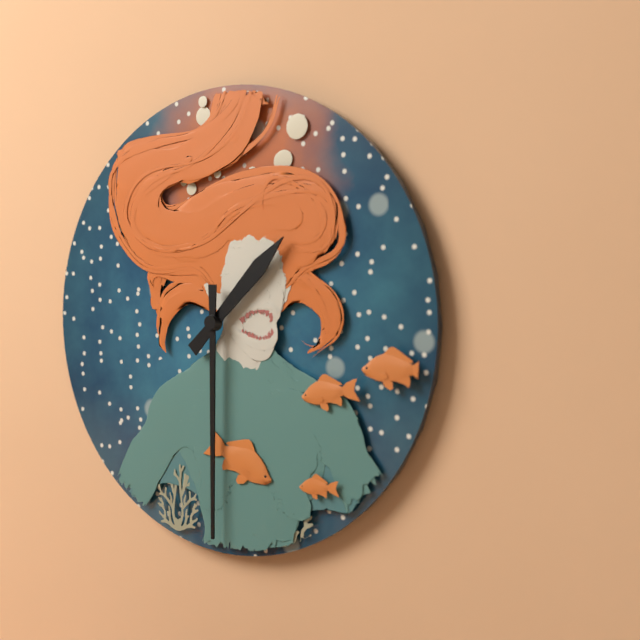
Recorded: h=1 m=30
